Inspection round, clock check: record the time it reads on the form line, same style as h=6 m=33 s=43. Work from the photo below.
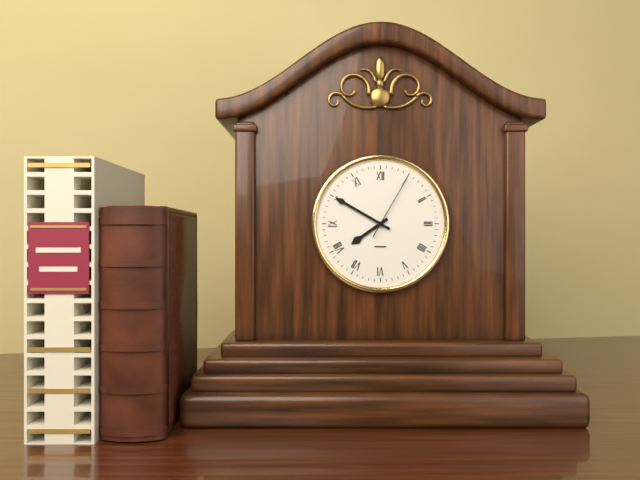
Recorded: h=7 m=50 s=5
